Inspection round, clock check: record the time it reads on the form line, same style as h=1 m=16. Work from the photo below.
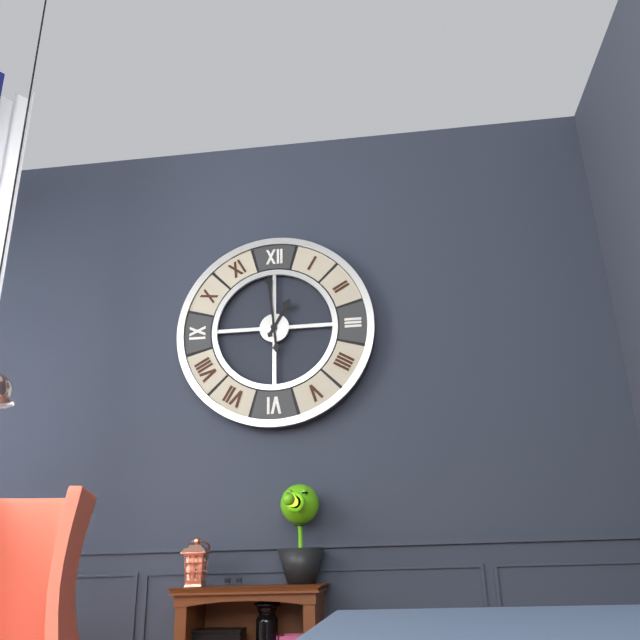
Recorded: h=12 m=59
